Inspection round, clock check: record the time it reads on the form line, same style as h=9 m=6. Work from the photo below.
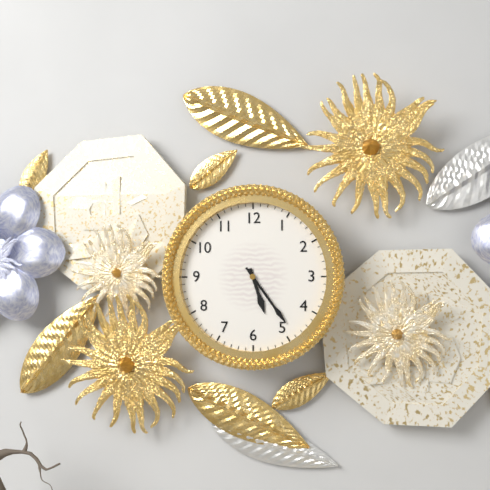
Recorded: h=5 m=24
